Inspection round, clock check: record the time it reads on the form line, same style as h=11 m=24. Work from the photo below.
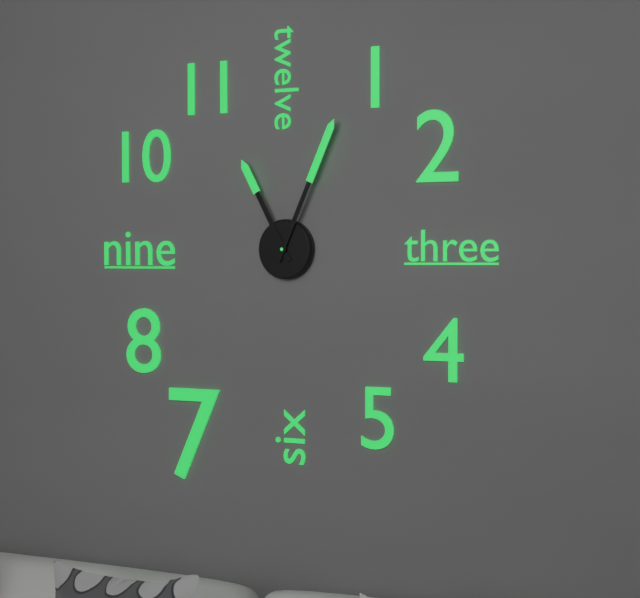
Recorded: h=11 m=4
